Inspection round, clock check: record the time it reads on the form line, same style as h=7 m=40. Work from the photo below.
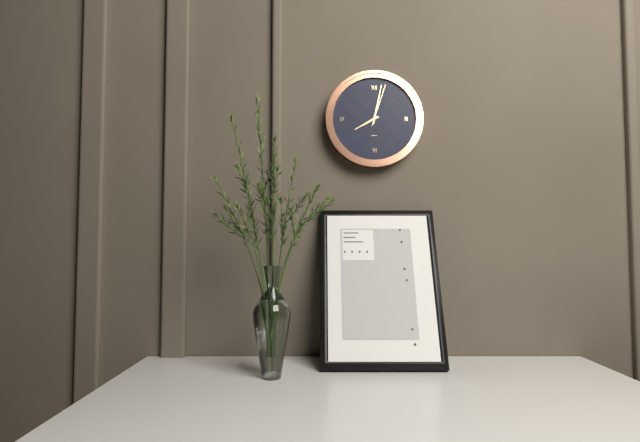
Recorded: h=8 m=2
